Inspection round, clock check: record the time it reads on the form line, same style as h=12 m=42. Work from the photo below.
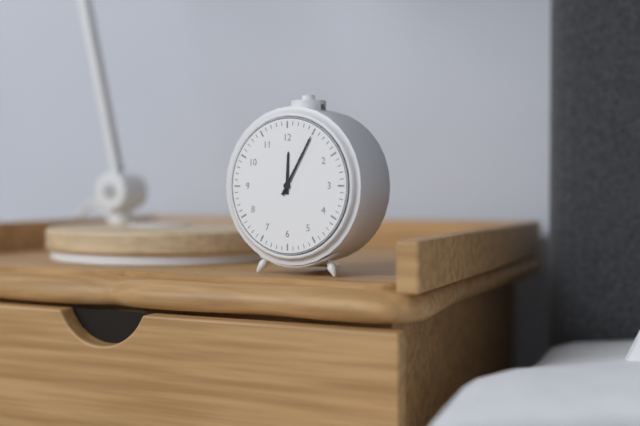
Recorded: h=12 m=5
